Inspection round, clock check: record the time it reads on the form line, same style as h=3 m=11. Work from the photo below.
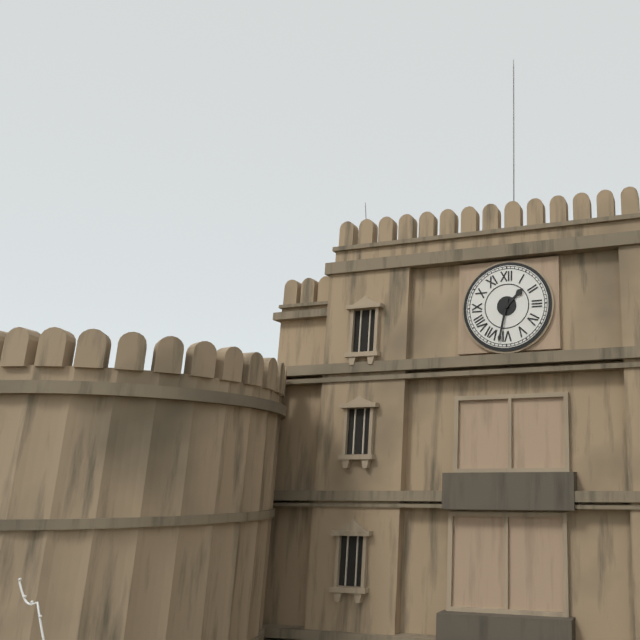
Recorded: h=1 m=32
